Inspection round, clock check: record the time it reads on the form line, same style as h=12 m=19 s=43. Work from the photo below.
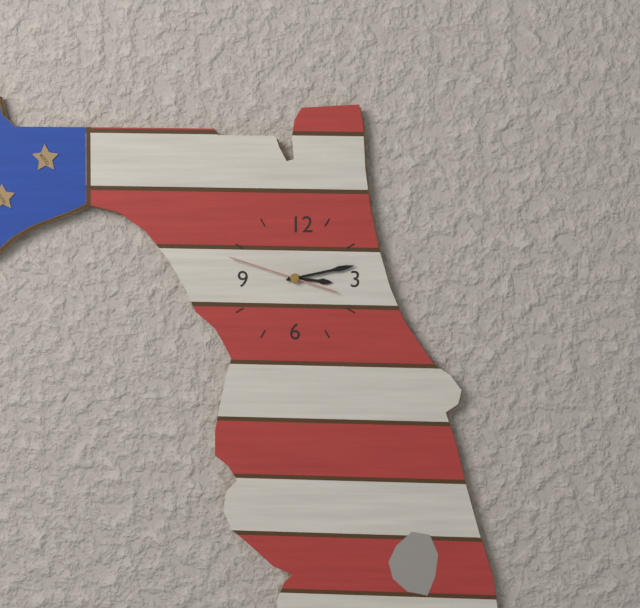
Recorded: h=3 m=13 s=48
